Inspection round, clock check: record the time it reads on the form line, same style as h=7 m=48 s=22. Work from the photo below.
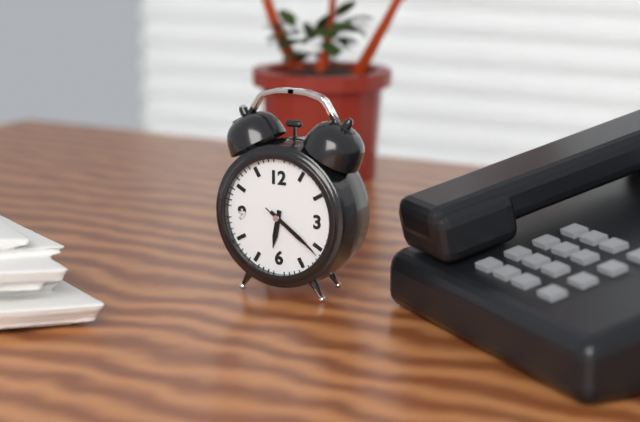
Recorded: h=6 m=21 s=21
